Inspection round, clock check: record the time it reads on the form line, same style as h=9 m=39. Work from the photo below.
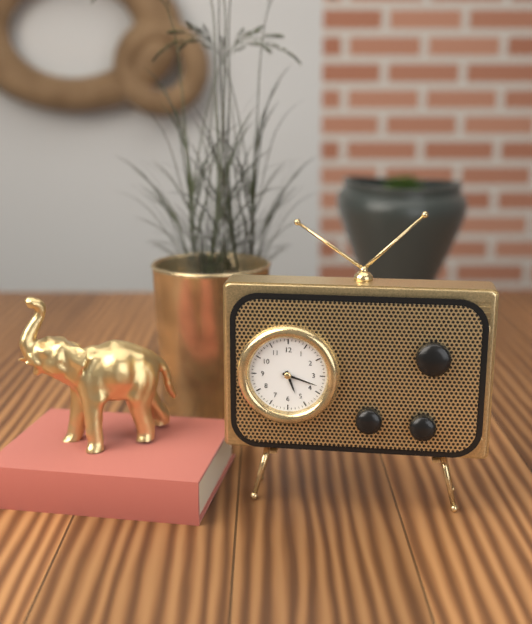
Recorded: h=5 m=18
